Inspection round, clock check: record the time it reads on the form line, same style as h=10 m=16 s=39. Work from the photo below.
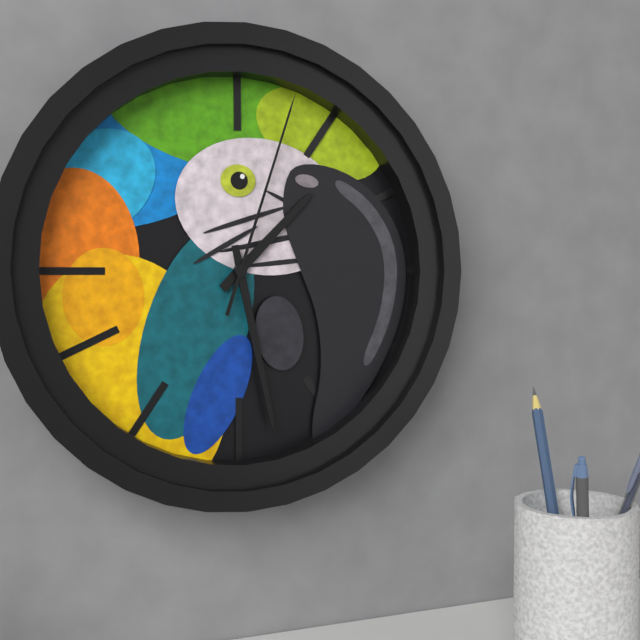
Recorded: h=1 m=28 s=3
